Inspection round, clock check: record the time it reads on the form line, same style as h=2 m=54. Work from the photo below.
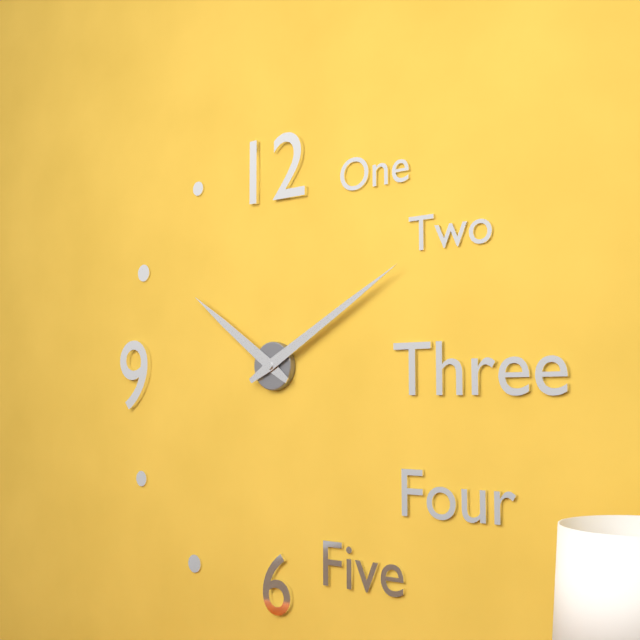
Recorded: h=10 m=10
